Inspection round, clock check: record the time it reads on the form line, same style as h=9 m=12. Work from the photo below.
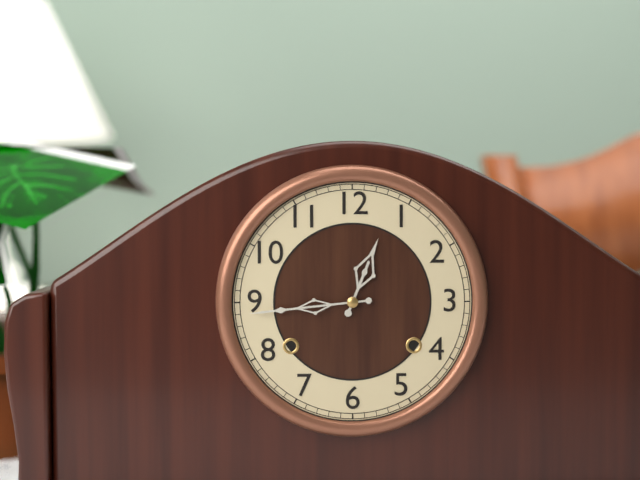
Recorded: h=12 m=44
